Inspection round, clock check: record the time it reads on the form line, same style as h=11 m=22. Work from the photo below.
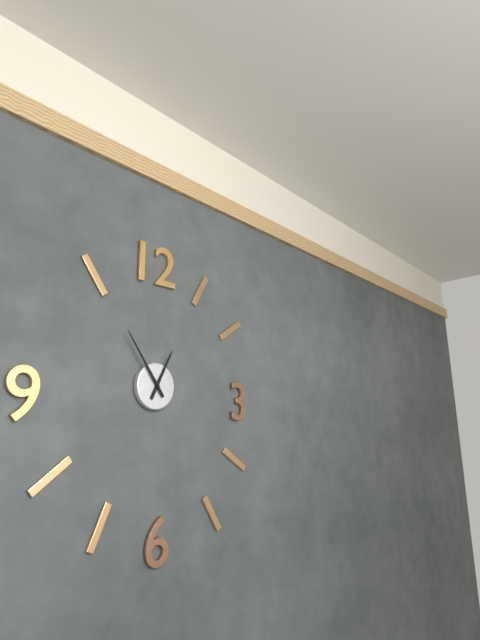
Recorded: h=12 m=54
